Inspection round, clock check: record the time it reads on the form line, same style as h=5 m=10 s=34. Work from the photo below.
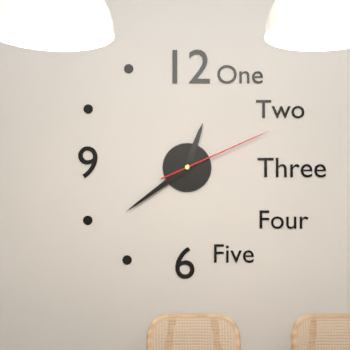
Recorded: h=12 m=39 s=11
